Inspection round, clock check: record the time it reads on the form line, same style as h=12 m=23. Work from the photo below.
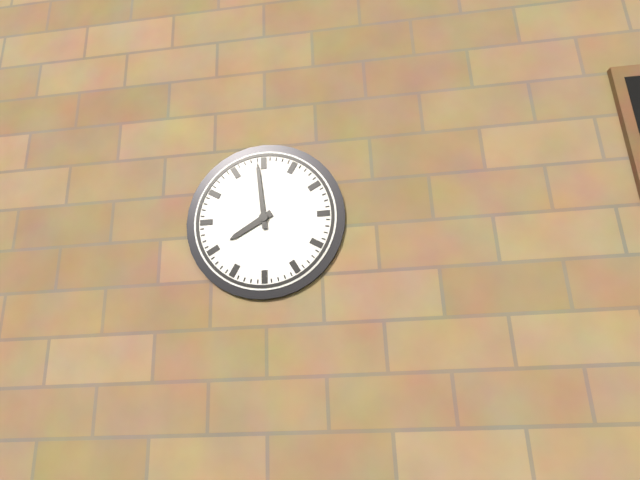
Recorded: h=7 m=59
